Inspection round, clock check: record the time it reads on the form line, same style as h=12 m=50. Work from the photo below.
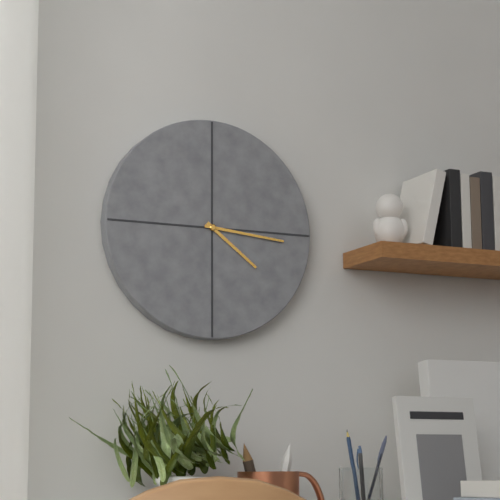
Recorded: h=4 m=16
